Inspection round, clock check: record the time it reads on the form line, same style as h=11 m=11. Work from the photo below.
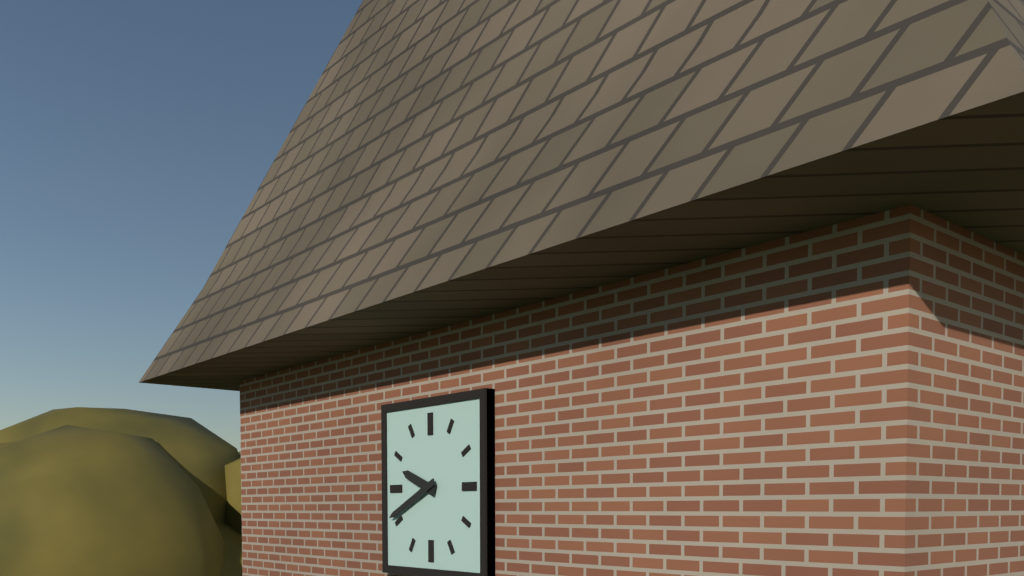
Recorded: h=9 m=41
